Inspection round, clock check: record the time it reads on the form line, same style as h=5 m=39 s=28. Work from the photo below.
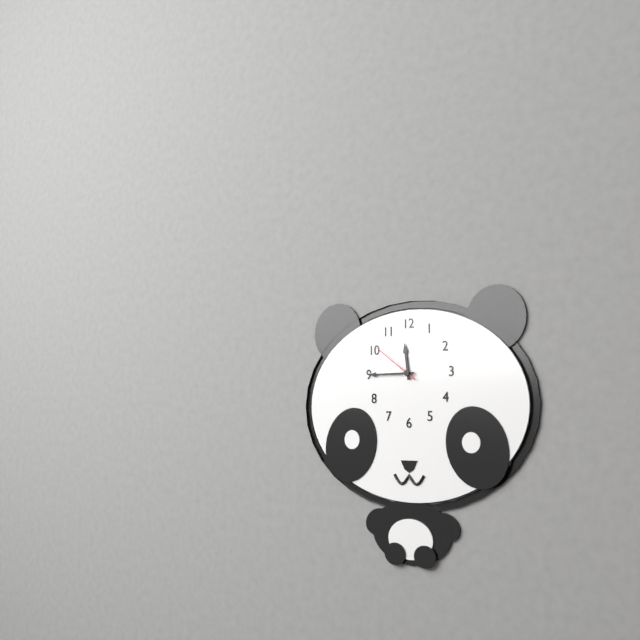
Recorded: h=11 m=45 s=51
